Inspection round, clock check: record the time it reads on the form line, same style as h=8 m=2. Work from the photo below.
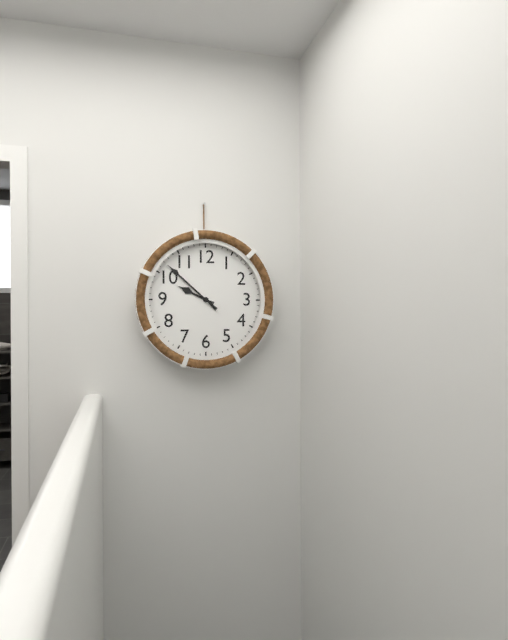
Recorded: h=9 m=52
